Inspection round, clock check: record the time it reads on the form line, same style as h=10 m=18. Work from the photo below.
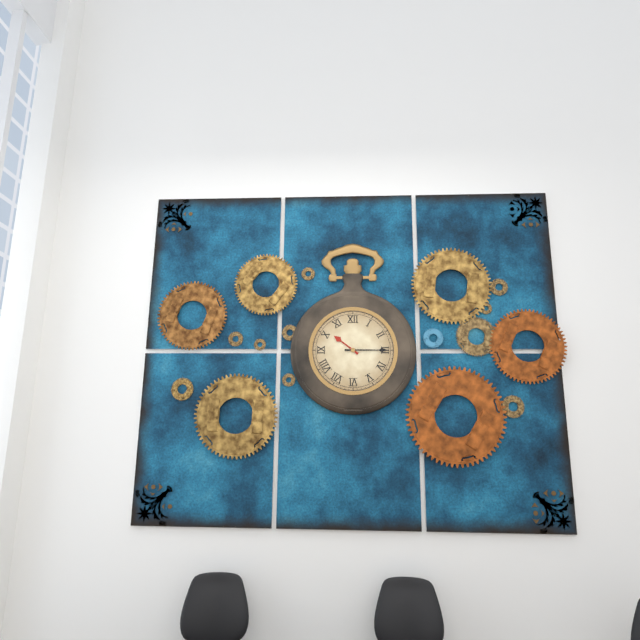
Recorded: h=10 m=15
